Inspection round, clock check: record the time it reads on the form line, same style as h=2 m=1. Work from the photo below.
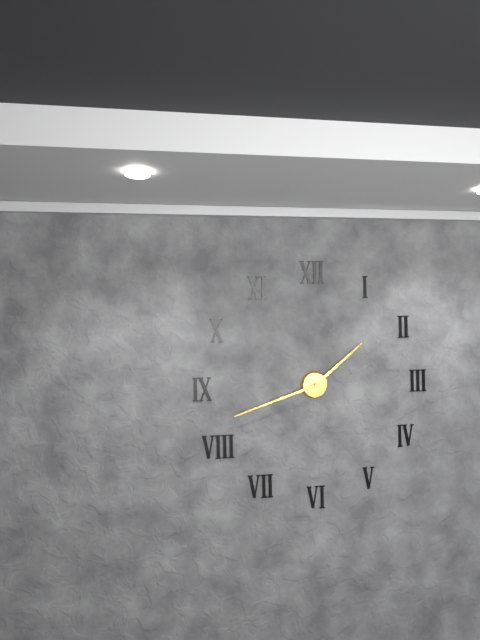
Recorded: h=1 m=42
